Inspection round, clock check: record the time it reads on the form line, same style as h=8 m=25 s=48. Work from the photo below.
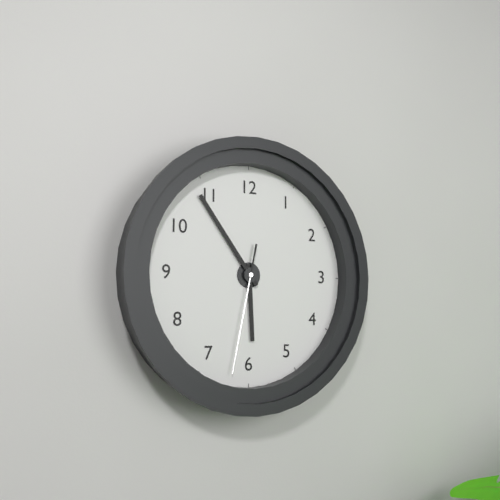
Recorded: h=5 m=54 s=32
